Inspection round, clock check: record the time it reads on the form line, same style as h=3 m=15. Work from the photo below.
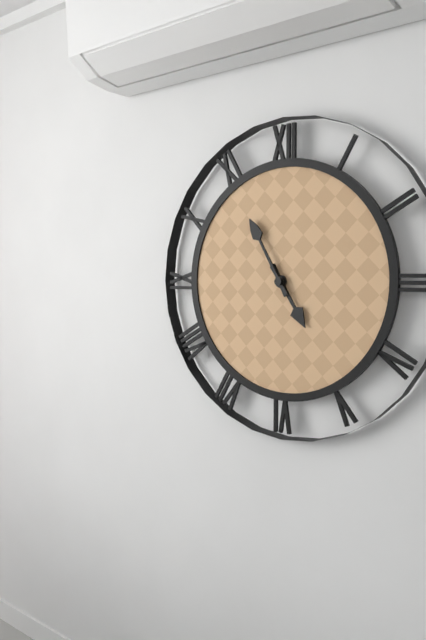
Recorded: h=4 m=55
